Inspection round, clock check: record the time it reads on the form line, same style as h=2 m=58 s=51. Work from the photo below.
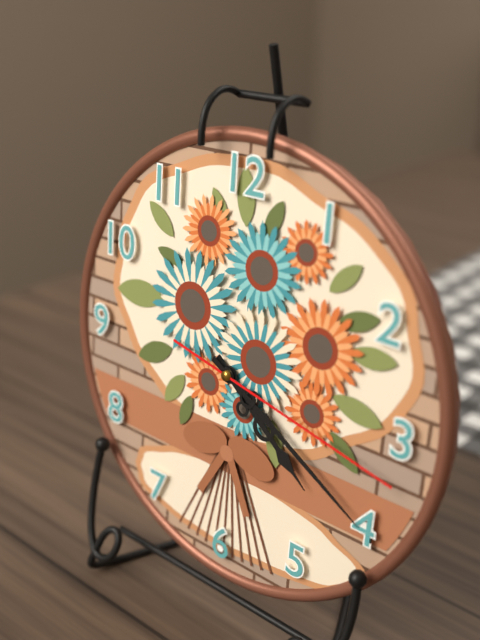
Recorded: h=4 m=20 s=17
